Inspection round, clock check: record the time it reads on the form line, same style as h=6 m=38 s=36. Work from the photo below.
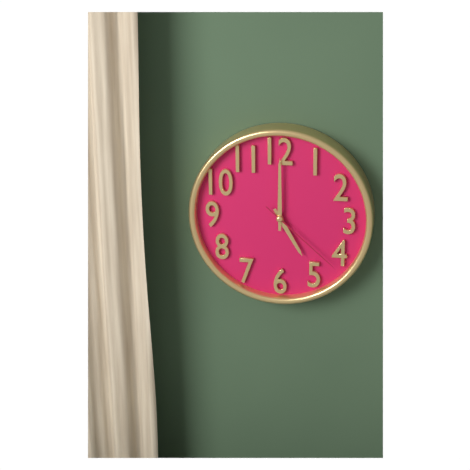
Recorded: h=5 m=0 s=22
